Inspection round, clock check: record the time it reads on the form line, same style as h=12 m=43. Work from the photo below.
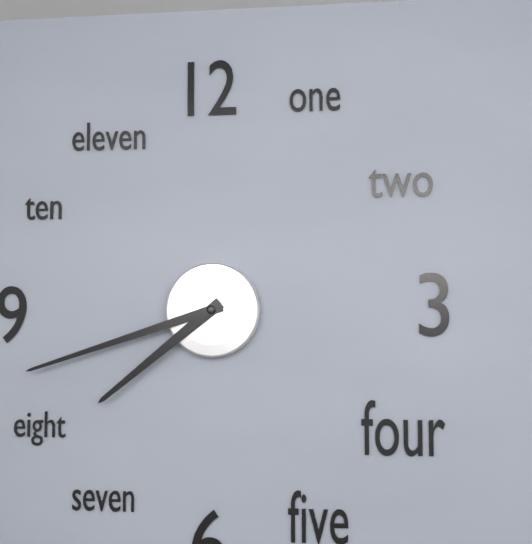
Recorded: h=7 m=42
